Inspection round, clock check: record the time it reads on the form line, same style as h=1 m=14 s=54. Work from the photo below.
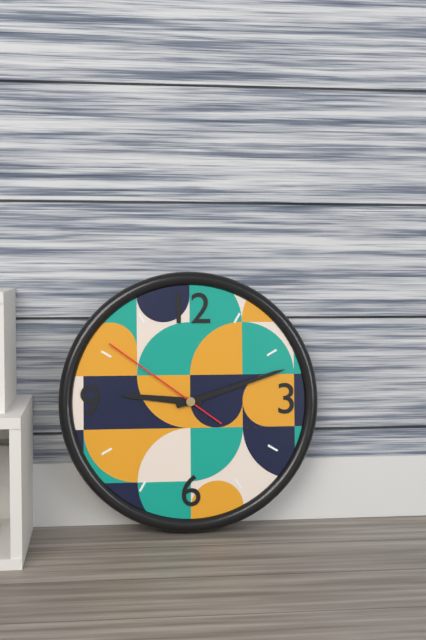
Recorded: h=9 m=12 s=51
